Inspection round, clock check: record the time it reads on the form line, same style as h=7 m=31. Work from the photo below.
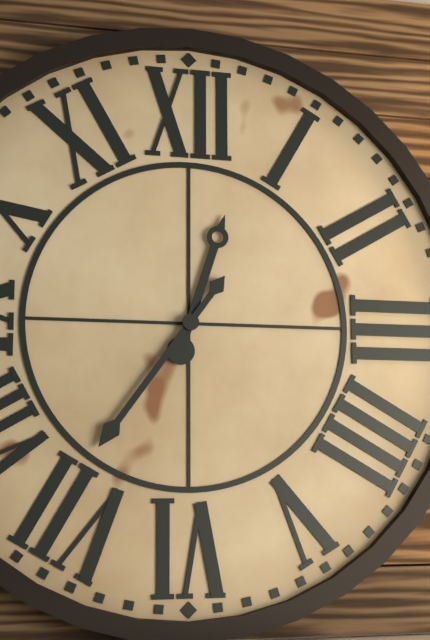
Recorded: h=12 m=36
